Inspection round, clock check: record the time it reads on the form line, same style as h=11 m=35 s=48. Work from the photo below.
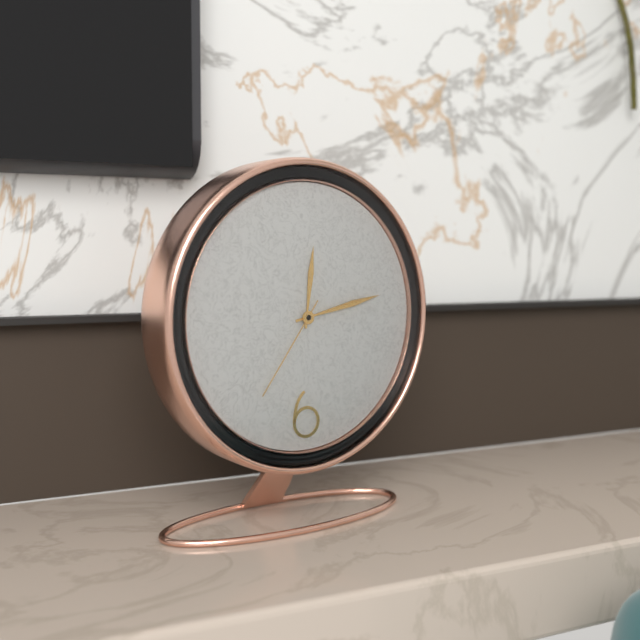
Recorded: h=12 m=13 s=36
